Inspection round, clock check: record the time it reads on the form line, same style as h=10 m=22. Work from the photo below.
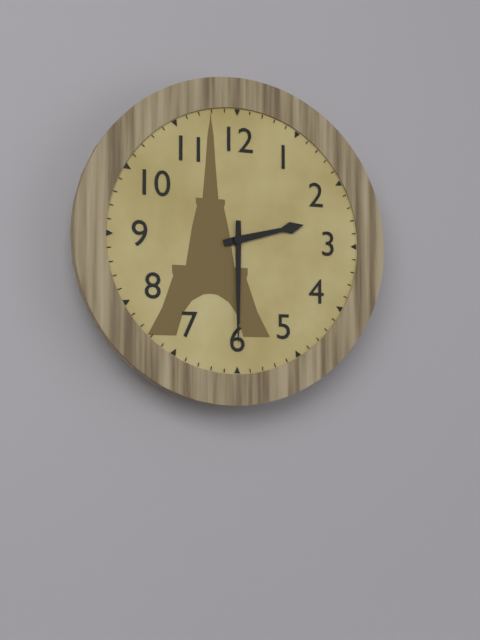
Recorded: h=2 m=30
